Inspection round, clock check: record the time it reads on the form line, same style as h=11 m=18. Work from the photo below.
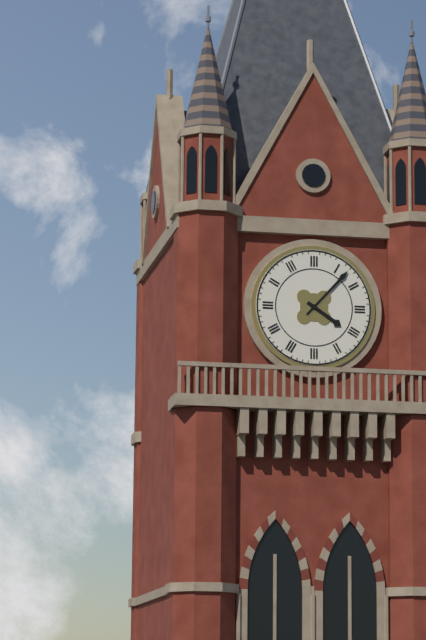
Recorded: h=4 m=7
